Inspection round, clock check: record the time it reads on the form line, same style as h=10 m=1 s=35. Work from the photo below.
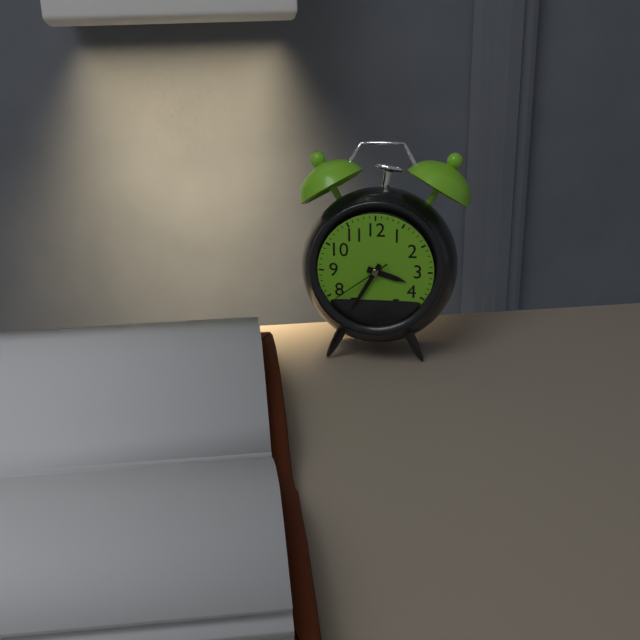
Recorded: h=3 m=35 s=39
